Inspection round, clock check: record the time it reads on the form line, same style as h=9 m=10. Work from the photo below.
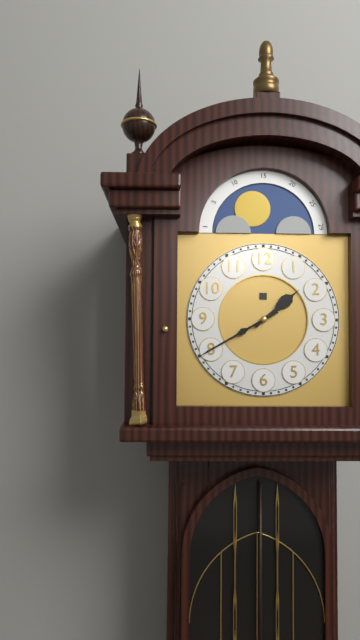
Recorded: h=1 m=40
